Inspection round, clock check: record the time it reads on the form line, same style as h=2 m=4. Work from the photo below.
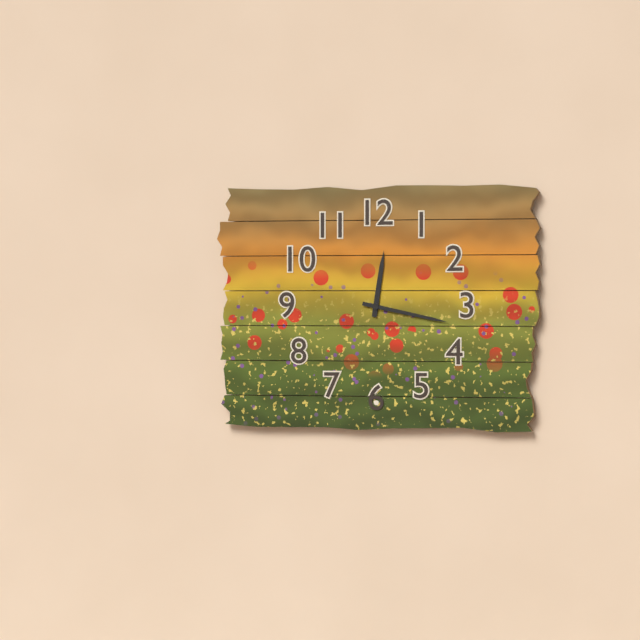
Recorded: h=12 m=17
